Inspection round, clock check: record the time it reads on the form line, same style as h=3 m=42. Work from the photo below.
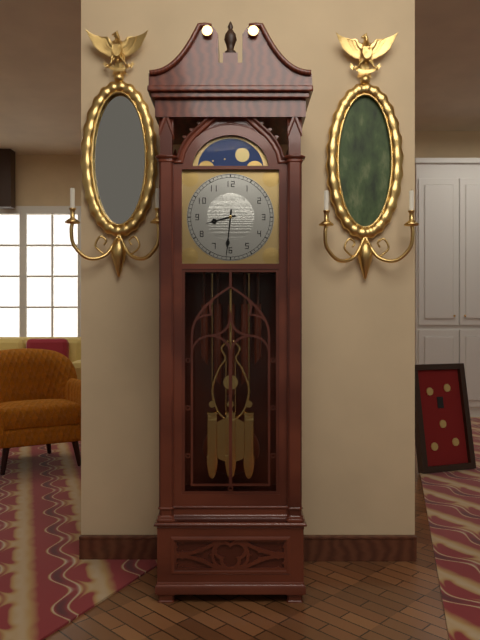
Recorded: h=8 m=31
